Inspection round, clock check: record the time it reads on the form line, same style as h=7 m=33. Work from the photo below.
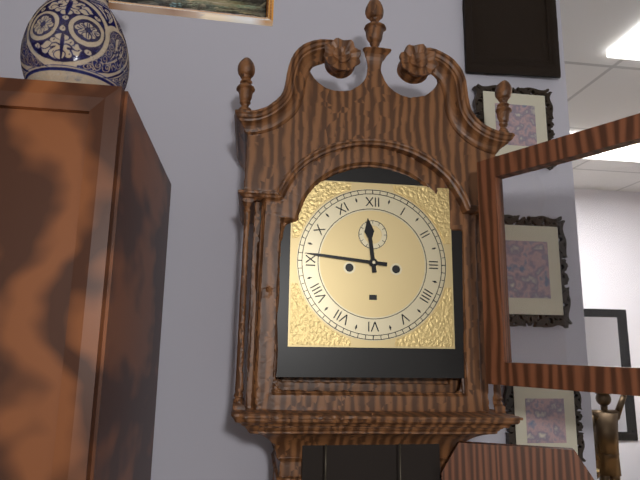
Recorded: h=11 m=46
